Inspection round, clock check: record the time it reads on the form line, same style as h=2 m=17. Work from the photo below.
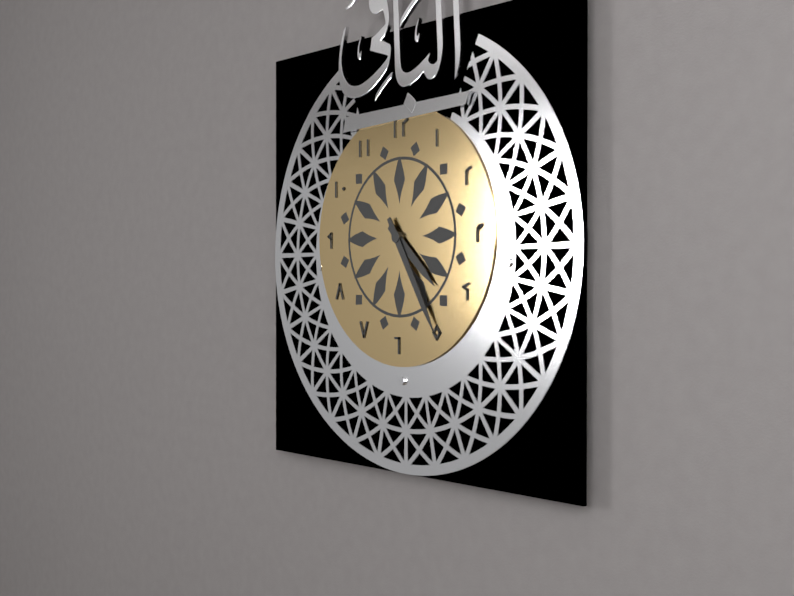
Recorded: h=4 m=25
